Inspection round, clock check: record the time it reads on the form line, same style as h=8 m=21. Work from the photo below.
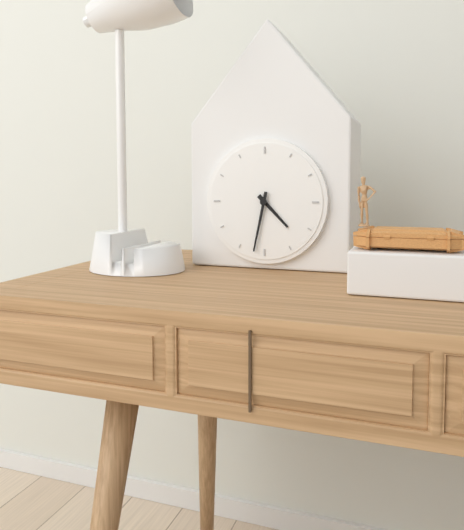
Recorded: h=4 m=32
